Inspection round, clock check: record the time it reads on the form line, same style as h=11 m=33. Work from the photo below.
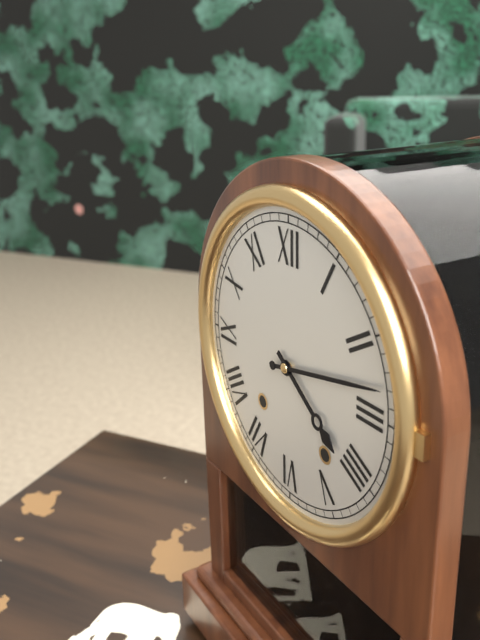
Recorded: h=4 m=13
